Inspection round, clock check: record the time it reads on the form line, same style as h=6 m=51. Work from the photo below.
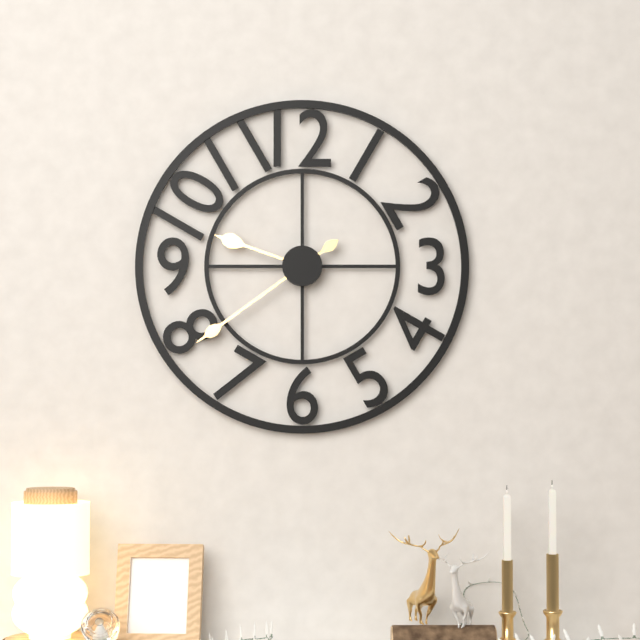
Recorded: h=9 m=39
